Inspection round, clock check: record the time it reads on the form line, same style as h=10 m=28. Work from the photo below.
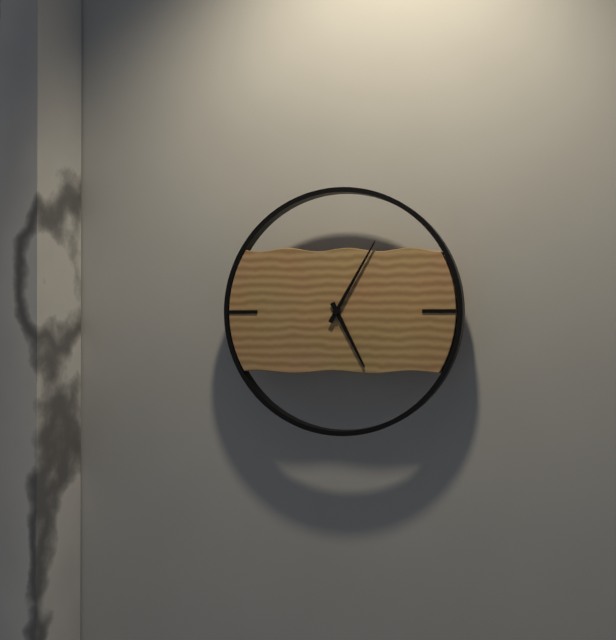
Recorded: h=5 m=5
